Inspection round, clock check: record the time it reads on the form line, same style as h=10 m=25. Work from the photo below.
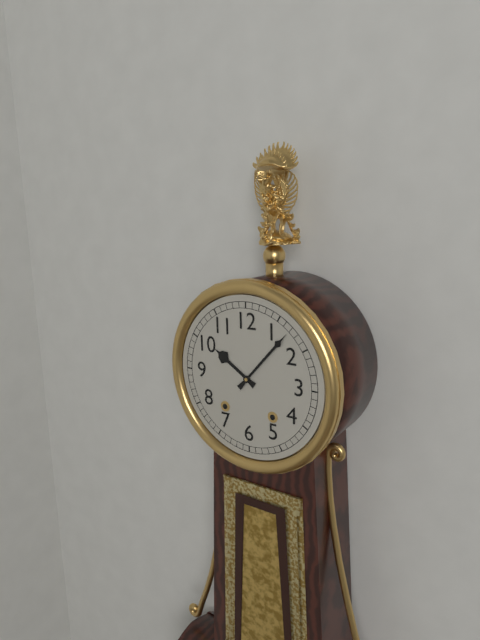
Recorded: h=10 m=7
